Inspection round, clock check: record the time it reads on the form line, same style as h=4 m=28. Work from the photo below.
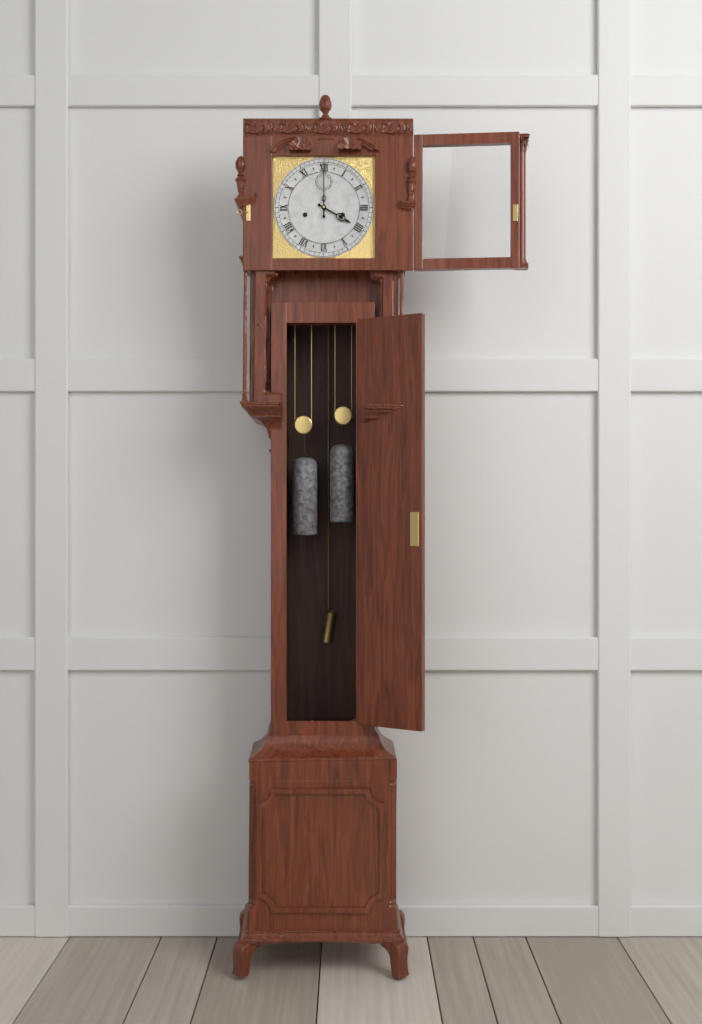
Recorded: h=4 m=0
